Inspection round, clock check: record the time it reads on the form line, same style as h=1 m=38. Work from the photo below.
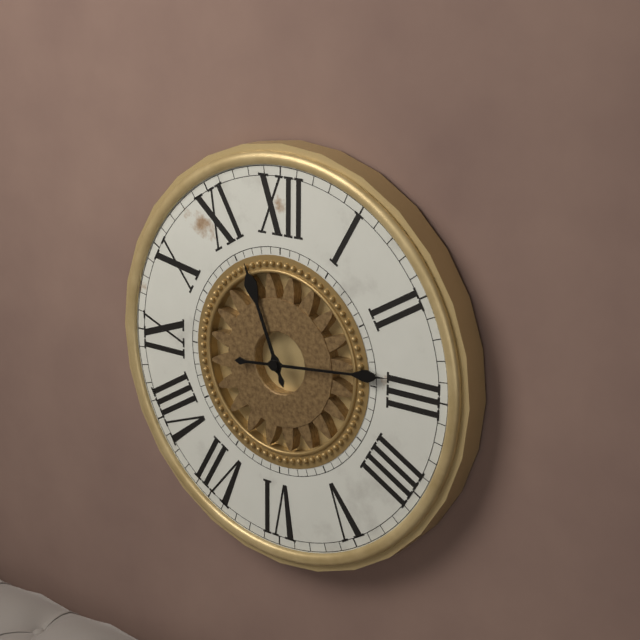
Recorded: h=11 m=14
